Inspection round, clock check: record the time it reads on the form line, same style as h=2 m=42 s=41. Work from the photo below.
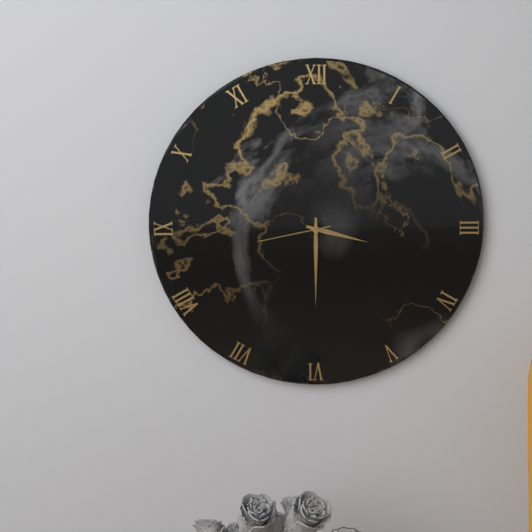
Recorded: h=3 m=30 s=43
